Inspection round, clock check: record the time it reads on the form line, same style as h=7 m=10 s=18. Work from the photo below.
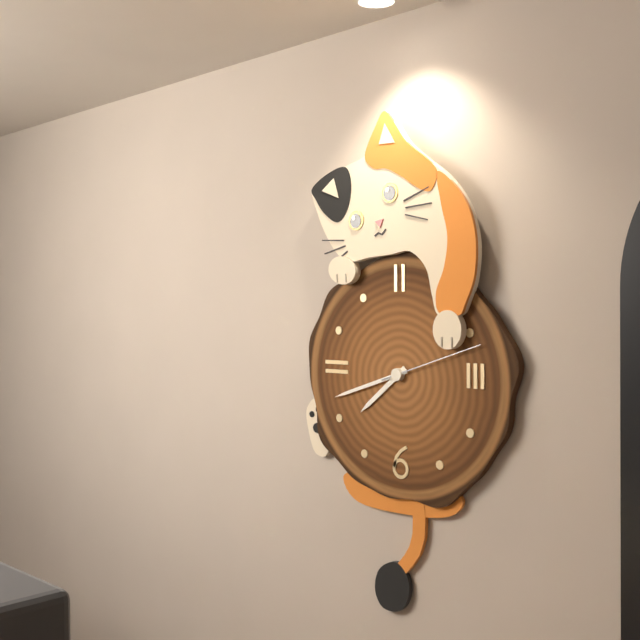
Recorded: h=7 m=42 s=12
